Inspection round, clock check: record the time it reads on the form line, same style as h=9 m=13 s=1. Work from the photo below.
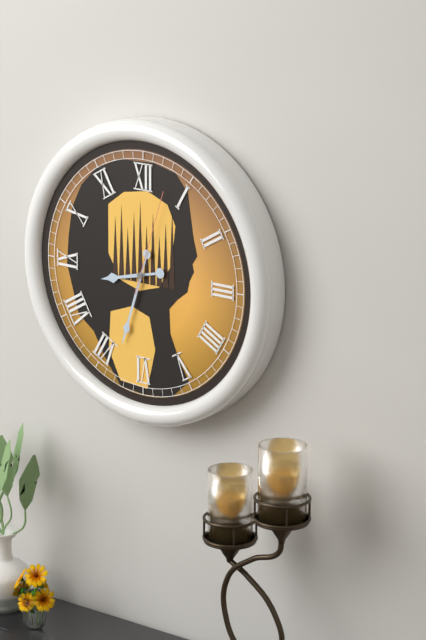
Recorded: h=8 m=33 s=3
